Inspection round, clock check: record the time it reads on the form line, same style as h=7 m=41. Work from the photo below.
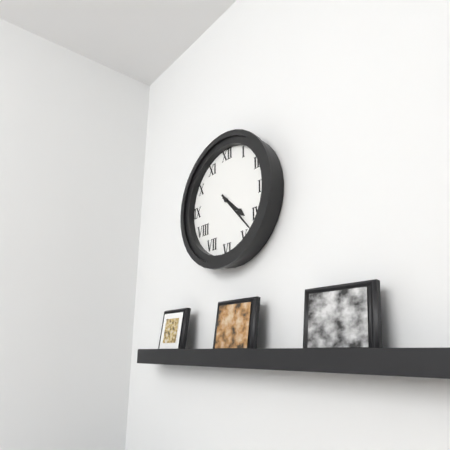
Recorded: h=4 m=23
